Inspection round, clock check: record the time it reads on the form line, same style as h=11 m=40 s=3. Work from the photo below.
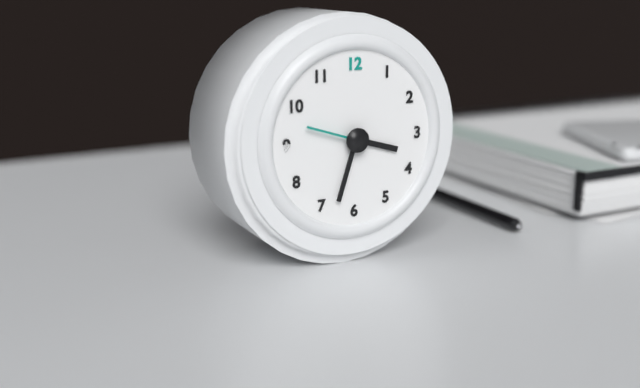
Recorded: h=3 m=33 s=48
